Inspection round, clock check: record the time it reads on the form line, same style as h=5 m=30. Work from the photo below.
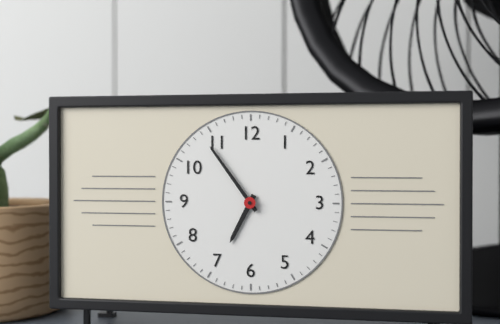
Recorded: h=6 m=54
